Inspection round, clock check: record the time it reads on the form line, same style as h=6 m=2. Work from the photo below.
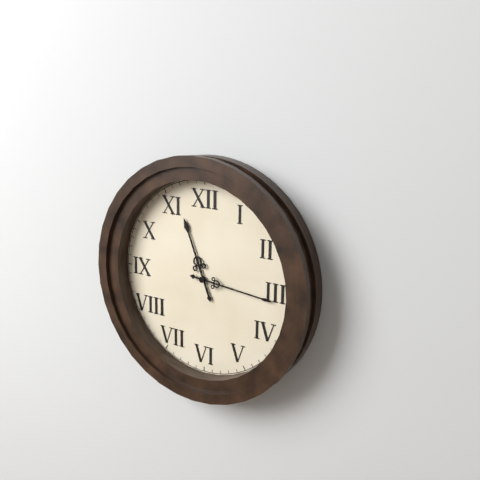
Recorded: h=11 m=16
